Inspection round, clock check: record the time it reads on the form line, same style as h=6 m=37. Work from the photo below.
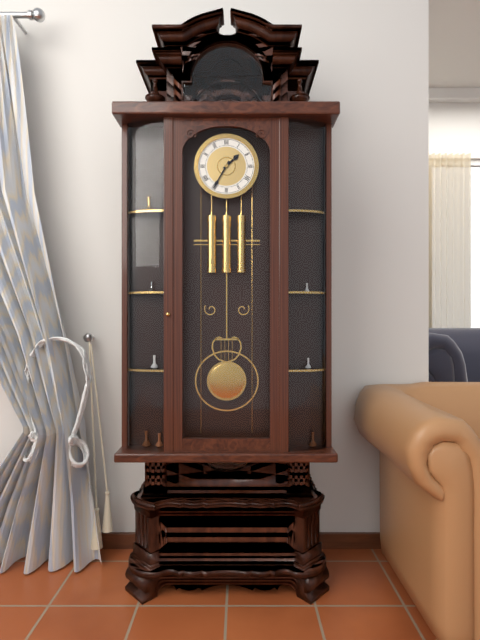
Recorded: h=1 m=35
